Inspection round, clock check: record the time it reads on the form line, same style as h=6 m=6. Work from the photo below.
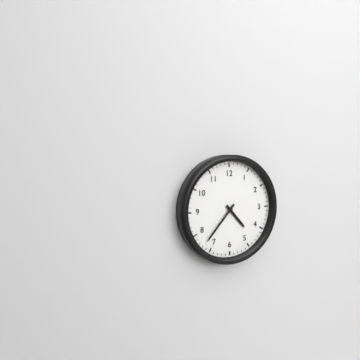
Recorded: h=4 m=37
